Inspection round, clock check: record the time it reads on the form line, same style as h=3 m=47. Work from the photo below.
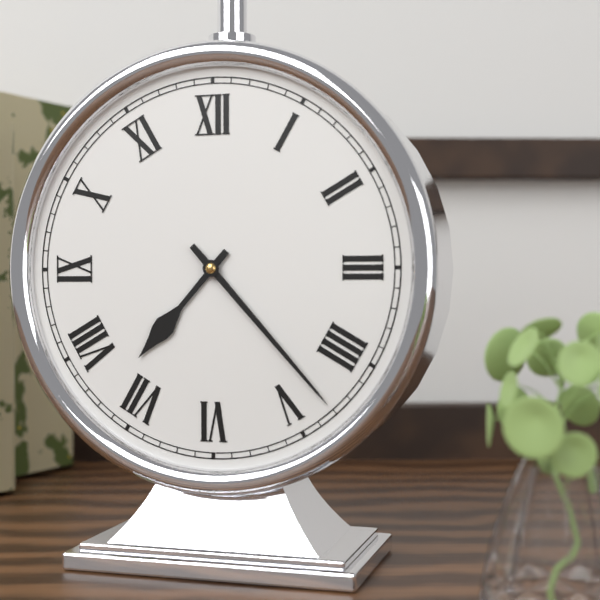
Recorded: h=7 m=23
